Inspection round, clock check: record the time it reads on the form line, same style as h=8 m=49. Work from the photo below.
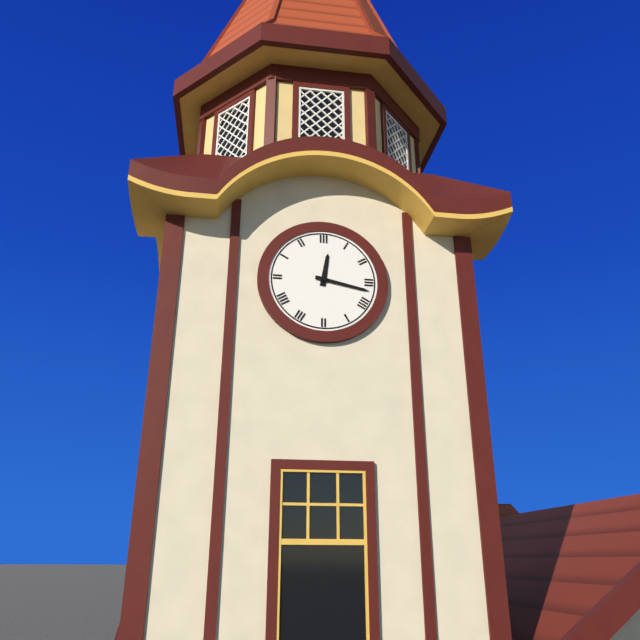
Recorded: h=12 m=17
